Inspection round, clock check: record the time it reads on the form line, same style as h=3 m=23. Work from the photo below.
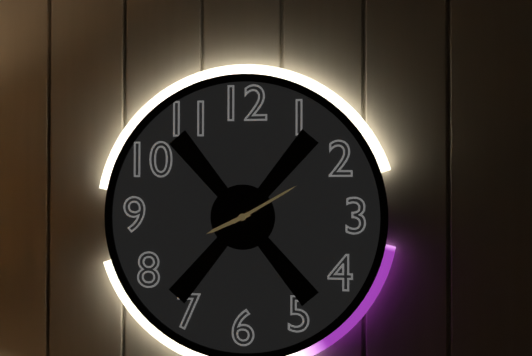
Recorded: h=8 m=10
